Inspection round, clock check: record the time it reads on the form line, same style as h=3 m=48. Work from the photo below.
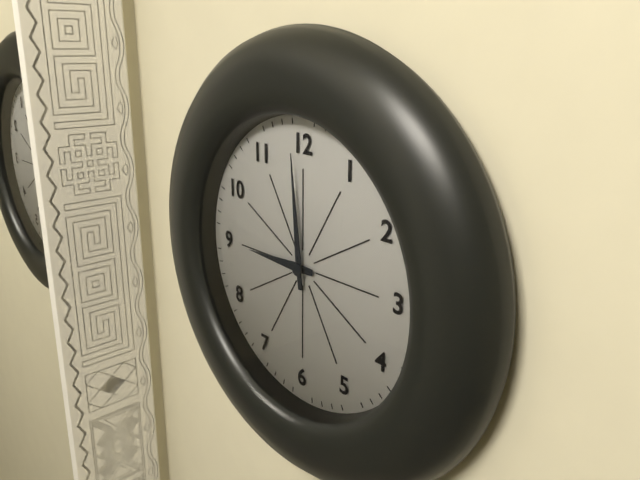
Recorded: h=8 m=59
